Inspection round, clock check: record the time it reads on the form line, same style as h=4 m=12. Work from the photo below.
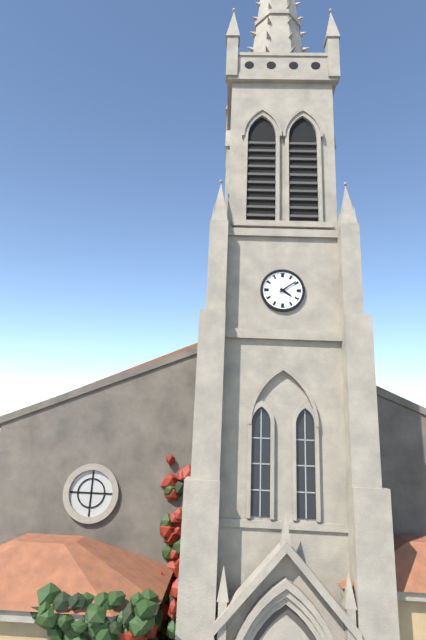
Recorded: h=4 m=9
